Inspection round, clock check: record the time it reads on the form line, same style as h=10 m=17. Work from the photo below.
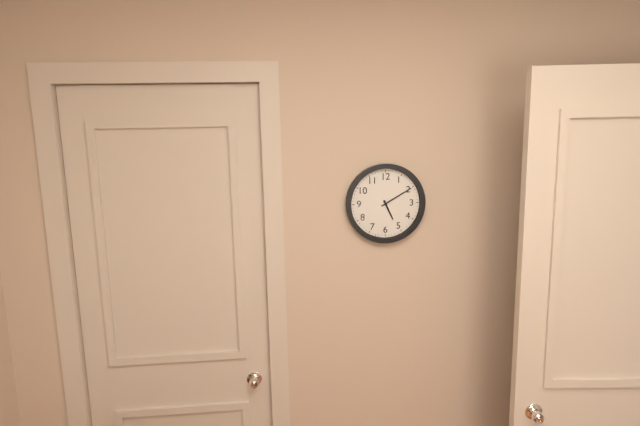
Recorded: h=5 m=10
